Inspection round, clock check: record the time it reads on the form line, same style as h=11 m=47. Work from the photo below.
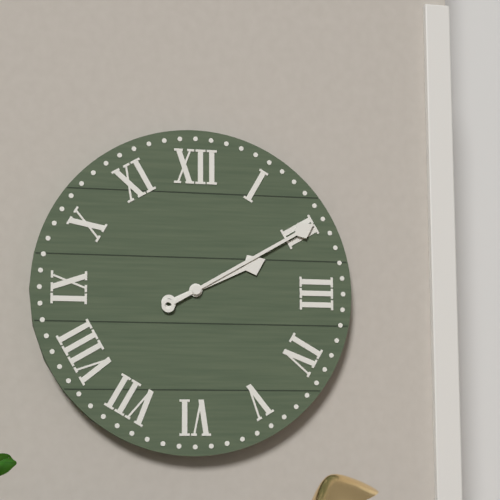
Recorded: h=2 m=10
